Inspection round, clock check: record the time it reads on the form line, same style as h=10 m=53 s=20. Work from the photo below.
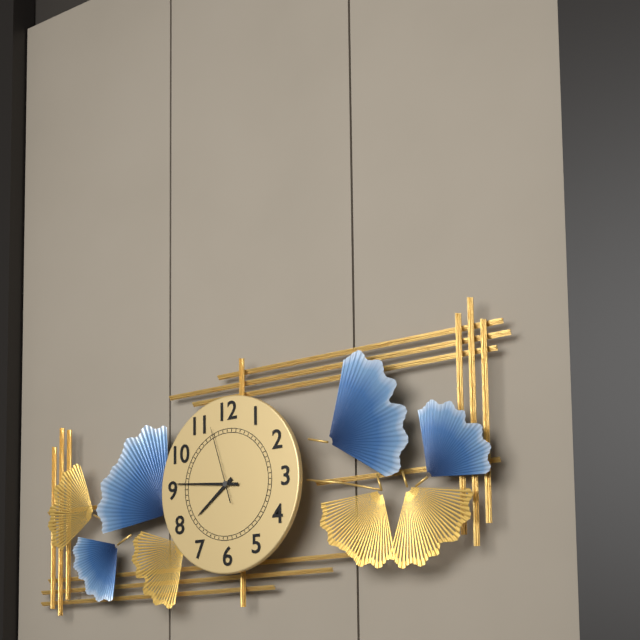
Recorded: h=7 m=46 s=57
